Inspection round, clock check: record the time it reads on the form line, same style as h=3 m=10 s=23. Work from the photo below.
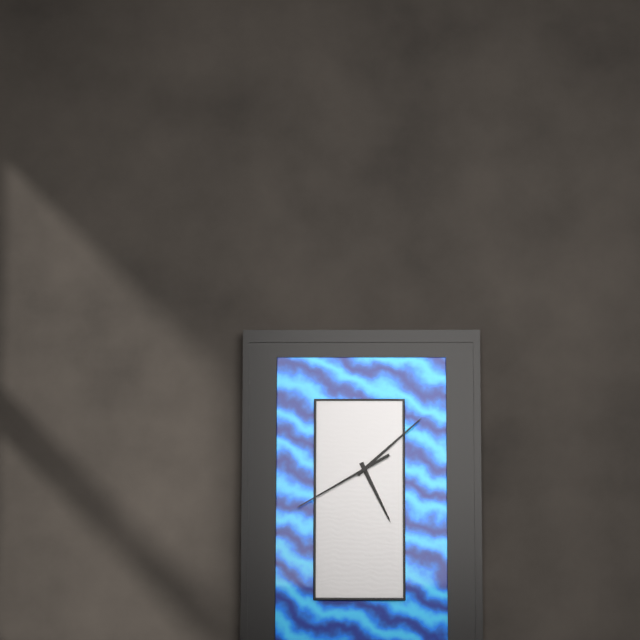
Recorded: h=5 m=8 s=40
